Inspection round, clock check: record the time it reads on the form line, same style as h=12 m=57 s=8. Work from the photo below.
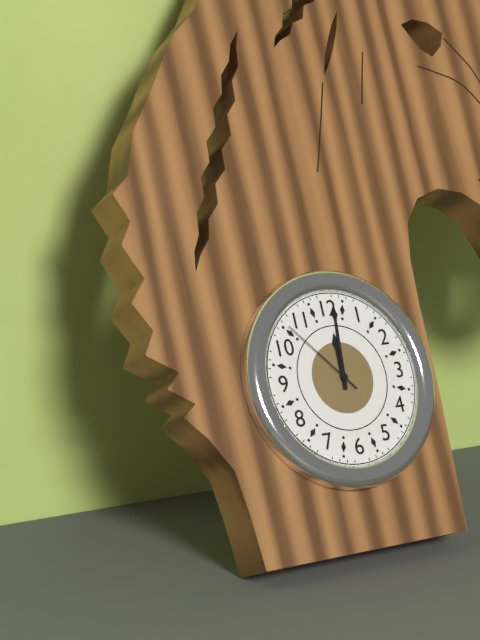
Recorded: h=12 m=1 s=53
